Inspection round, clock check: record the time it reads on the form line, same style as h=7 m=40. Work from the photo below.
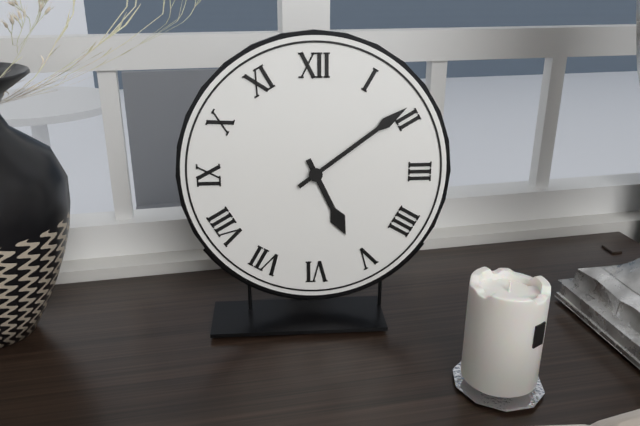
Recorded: h=5 m=9
